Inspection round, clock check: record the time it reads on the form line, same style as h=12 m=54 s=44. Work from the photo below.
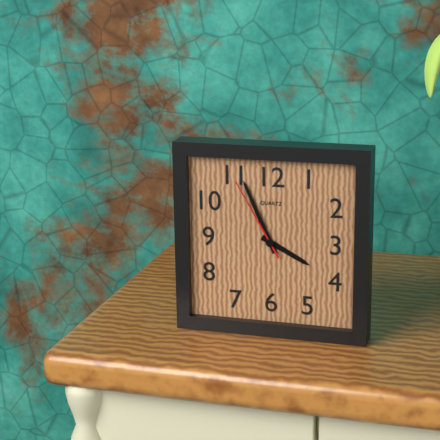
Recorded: h=3 m=56 s=55
